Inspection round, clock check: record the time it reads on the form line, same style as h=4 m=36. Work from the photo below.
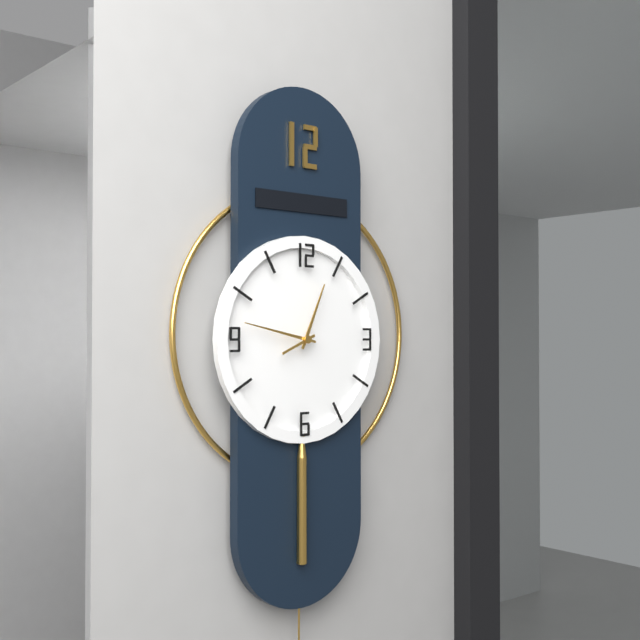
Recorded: h=12 m=47
